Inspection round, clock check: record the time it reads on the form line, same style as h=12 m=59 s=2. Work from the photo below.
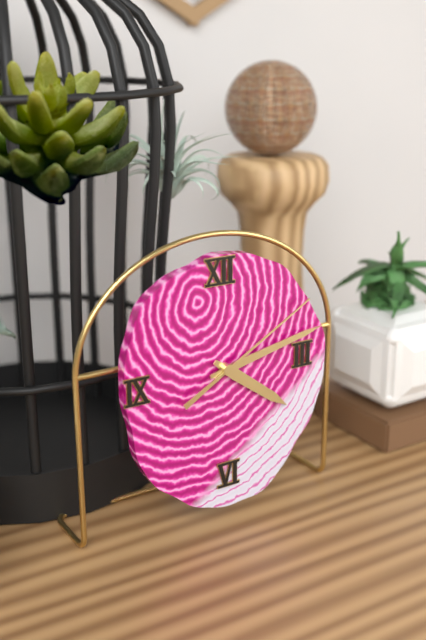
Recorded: h=4 m=13 s=10
